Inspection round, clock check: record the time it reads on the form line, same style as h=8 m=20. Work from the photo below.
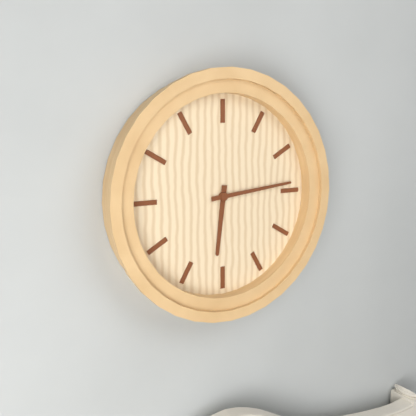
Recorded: h=6 m=14
